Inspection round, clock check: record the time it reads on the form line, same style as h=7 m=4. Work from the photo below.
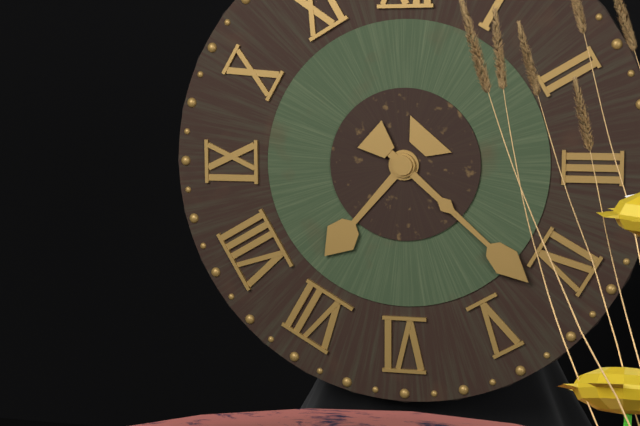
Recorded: h=7 m=22
